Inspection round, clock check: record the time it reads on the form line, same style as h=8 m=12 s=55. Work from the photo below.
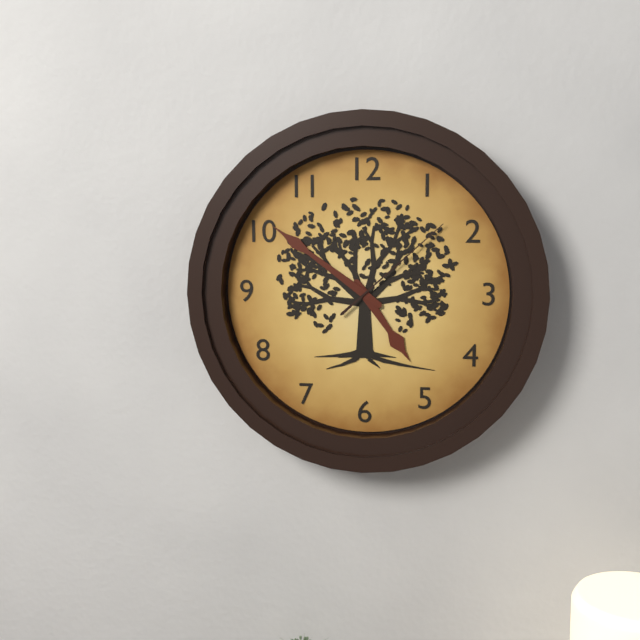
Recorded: h=4 m=51 s=8
